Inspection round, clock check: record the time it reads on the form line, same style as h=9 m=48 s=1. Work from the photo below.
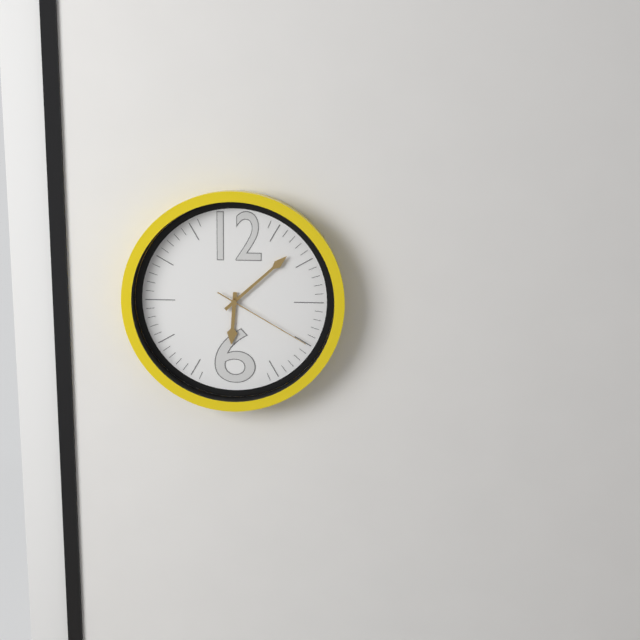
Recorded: h=6 m=8 s=20
